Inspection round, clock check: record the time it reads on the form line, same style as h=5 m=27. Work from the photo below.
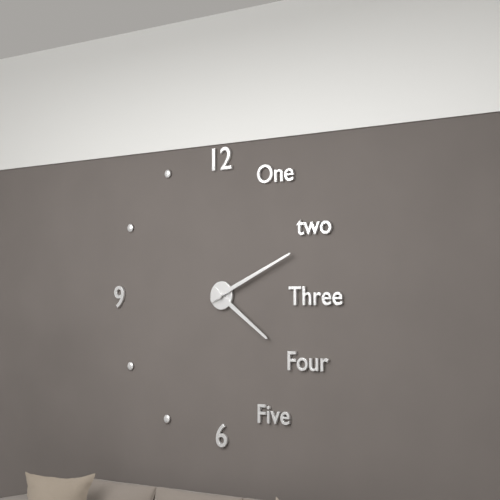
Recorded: h=4 m=11
